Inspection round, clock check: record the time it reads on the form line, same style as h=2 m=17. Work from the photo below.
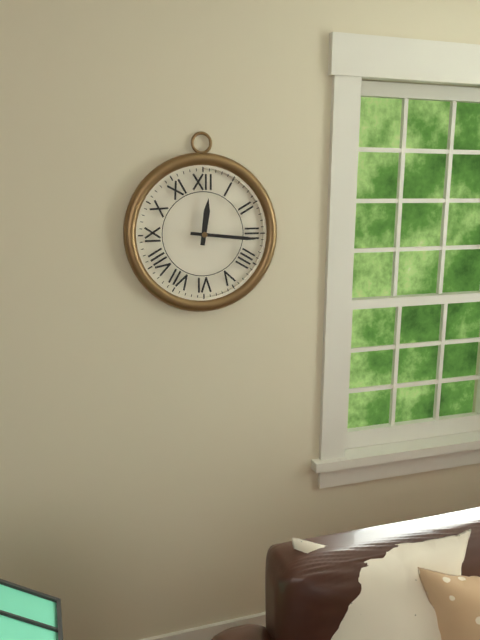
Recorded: h=12 m=16
